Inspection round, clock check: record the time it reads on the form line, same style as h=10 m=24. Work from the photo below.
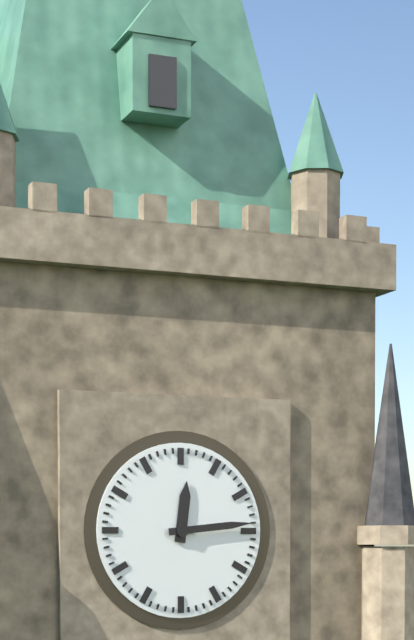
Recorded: h=12 m=14
